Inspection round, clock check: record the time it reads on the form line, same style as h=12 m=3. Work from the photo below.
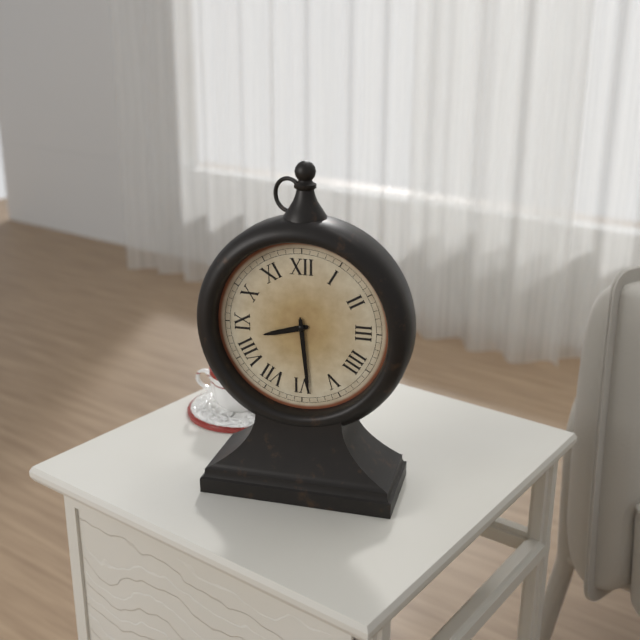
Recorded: h=8 m=29
